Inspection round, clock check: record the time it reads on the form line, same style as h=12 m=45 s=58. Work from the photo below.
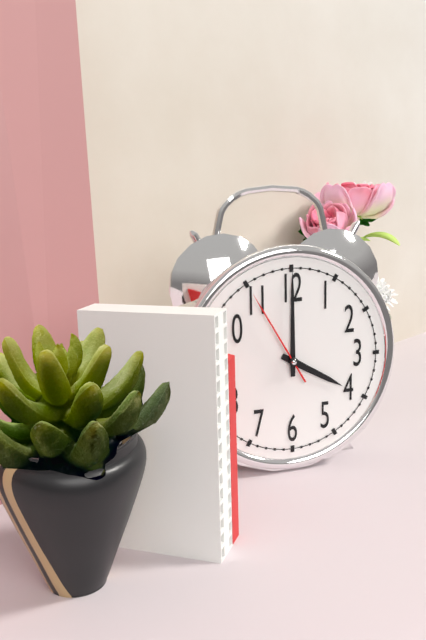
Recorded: h=4 m=0 s=55
